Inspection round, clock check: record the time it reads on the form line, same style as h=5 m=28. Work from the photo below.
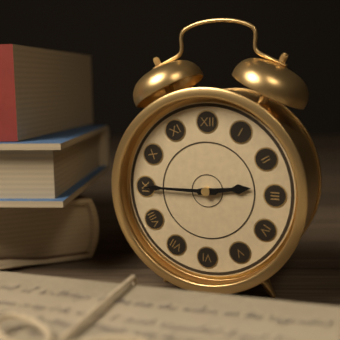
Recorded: h=2 m=45
